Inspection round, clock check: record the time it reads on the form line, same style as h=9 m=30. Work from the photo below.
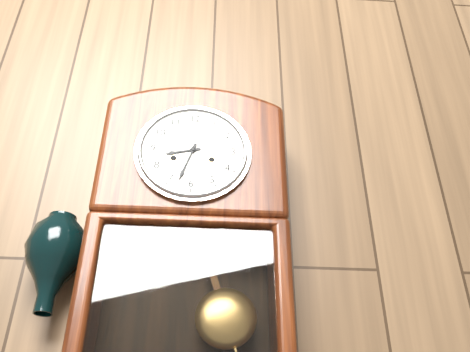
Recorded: h=8 m=33
